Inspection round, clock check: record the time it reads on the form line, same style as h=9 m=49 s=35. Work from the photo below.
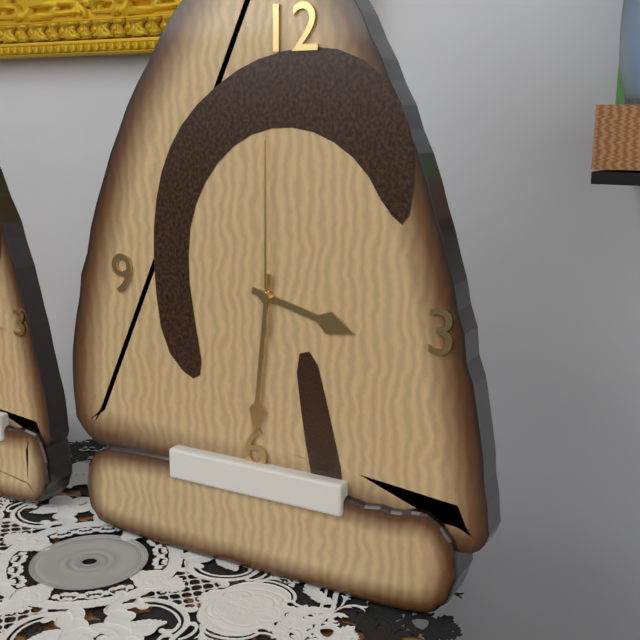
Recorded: h=3 m=31 s=0
